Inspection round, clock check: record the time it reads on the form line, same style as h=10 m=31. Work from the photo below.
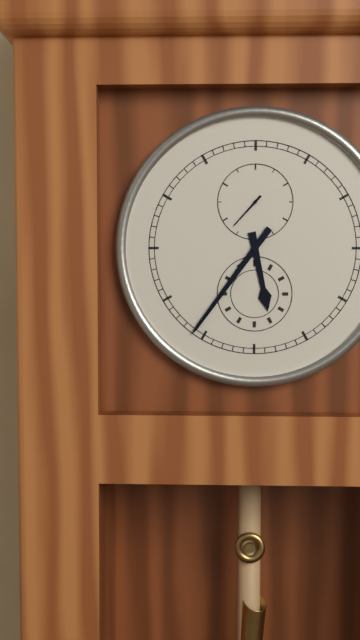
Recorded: h=5 m=36
